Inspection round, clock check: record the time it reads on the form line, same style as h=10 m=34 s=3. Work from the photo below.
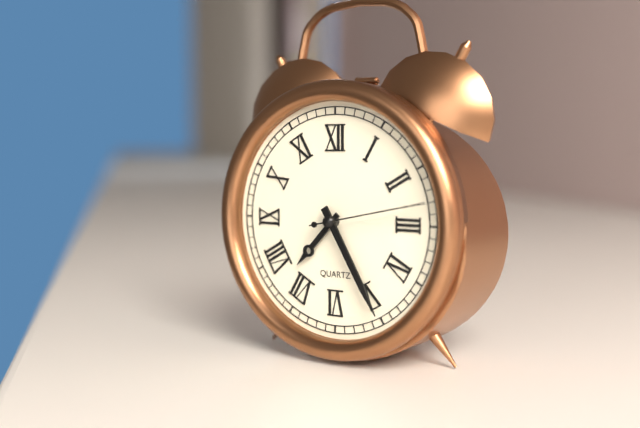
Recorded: h=7 m=25 s=13
